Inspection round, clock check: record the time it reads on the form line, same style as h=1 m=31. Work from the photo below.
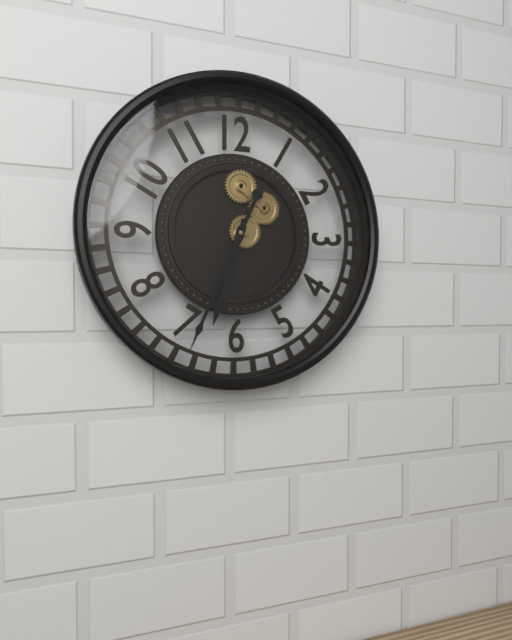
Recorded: h=6 m=34
